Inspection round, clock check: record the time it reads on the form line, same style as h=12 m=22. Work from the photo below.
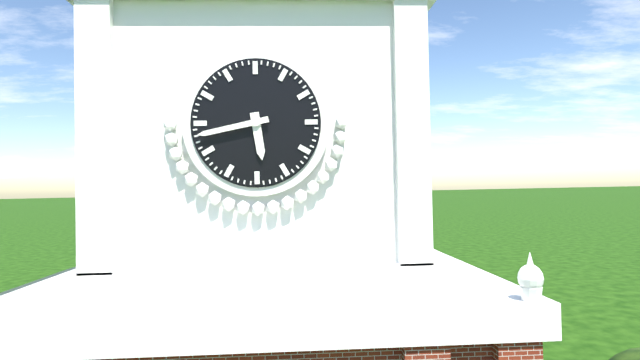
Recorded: h=5 m=43
